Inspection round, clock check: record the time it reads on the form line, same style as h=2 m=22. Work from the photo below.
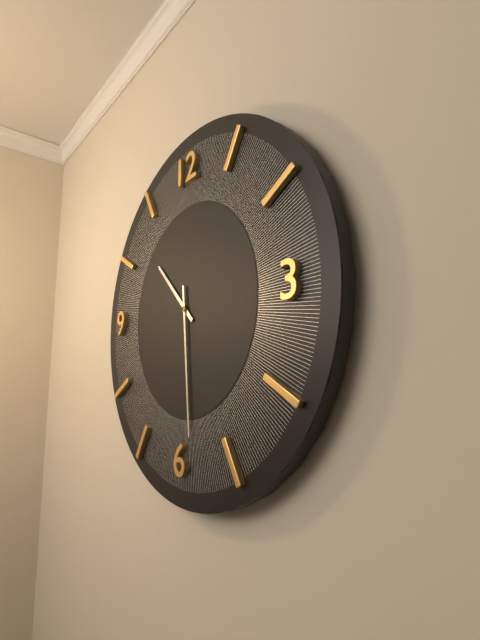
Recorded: h=10 m=29
